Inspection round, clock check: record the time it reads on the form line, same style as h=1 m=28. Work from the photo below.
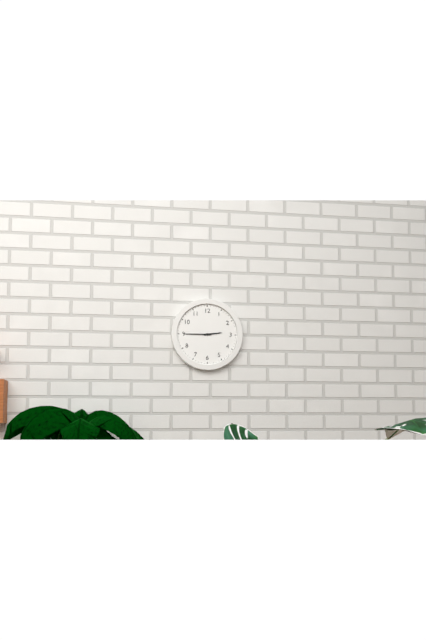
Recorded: h=2 m=45
